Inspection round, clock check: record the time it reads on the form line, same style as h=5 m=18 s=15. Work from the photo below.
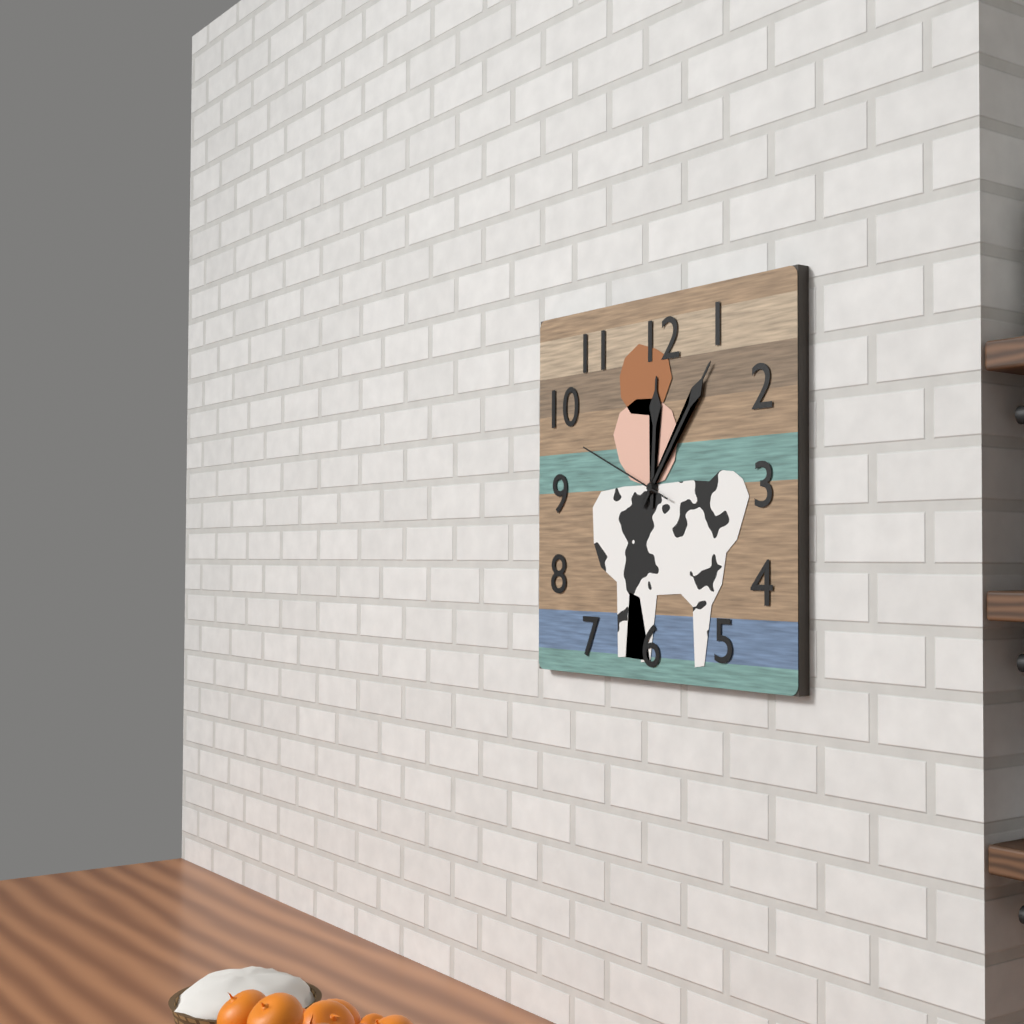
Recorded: h=12 m=6 s=49
